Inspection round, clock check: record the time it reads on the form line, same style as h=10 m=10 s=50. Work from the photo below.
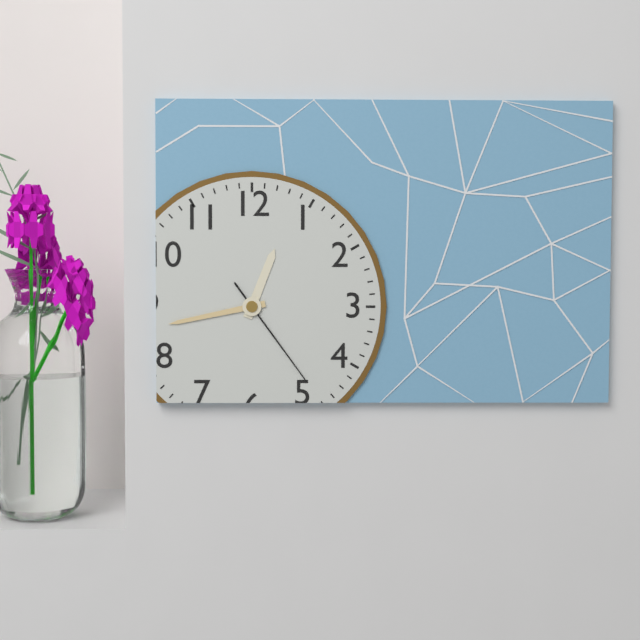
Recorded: h=12 m=43 s=24
